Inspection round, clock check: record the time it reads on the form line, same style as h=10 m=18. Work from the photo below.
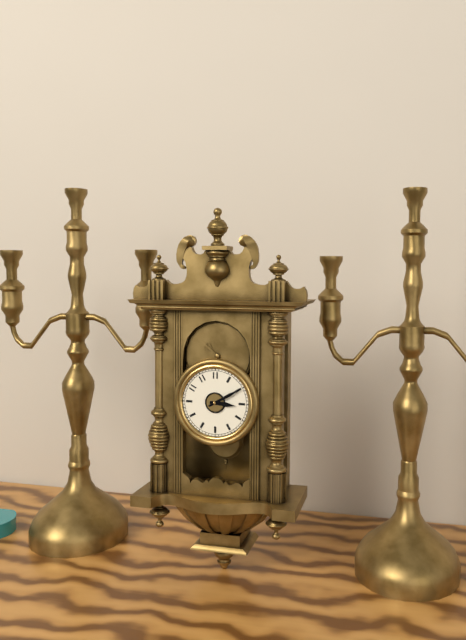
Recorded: h=3 m=10
